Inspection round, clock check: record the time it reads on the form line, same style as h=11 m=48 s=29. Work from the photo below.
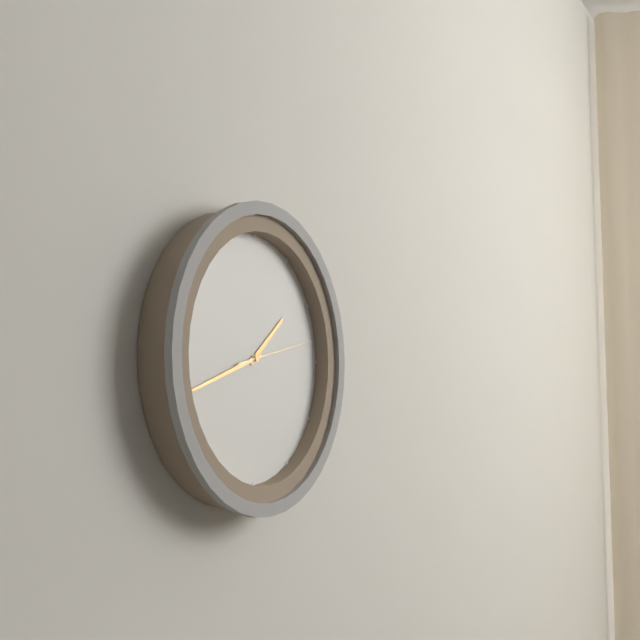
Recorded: h=1 m=42 s=13
